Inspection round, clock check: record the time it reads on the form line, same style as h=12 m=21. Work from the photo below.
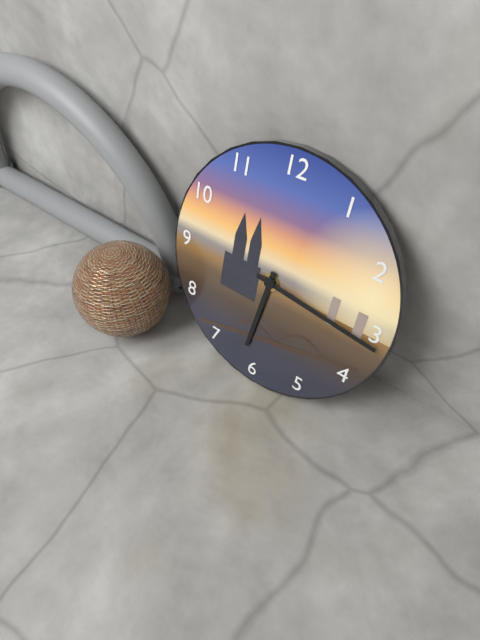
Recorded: h=6 m=16
